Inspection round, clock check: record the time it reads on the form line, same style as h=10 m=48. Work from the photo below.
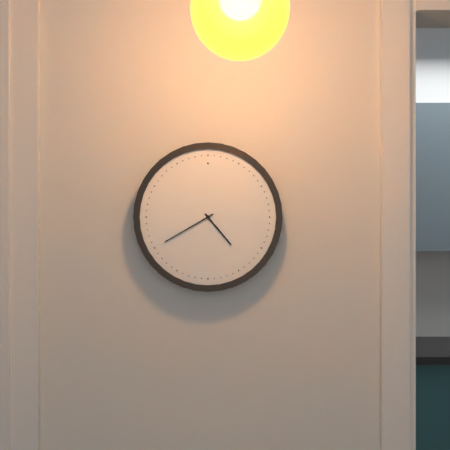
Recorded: h=4 m=40
